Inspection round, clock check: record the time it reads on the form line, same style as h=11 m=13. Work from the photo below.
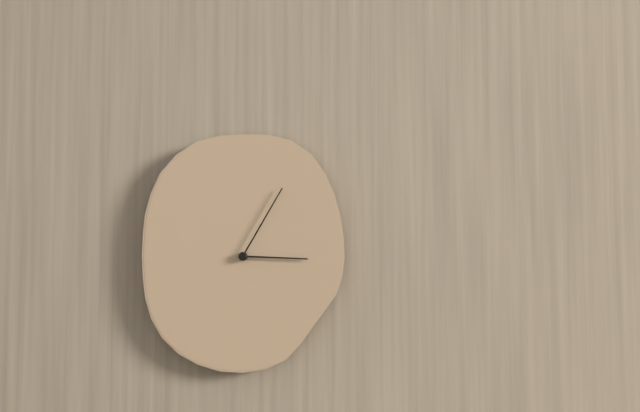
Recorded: h=3 m=5
